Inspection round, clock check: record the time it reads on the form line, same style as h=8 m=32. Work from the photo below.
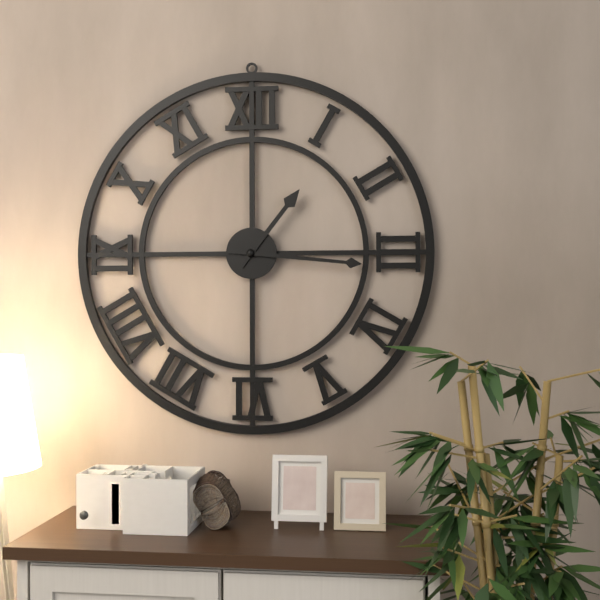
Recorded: h=1 m=16
